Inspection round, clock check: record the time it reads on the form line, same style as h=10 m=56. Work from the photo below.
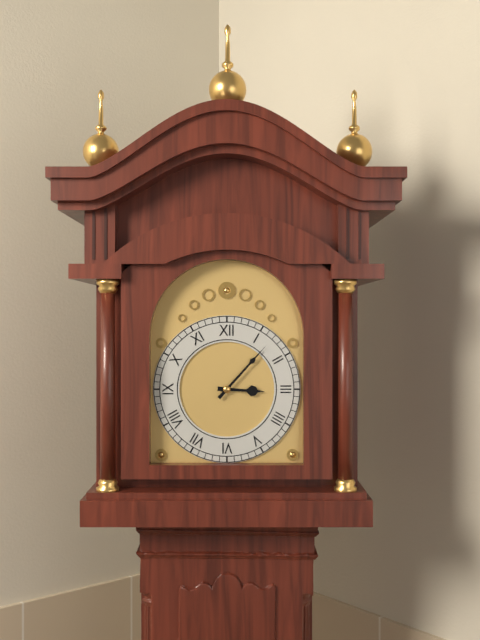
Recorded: h=3 m=7
